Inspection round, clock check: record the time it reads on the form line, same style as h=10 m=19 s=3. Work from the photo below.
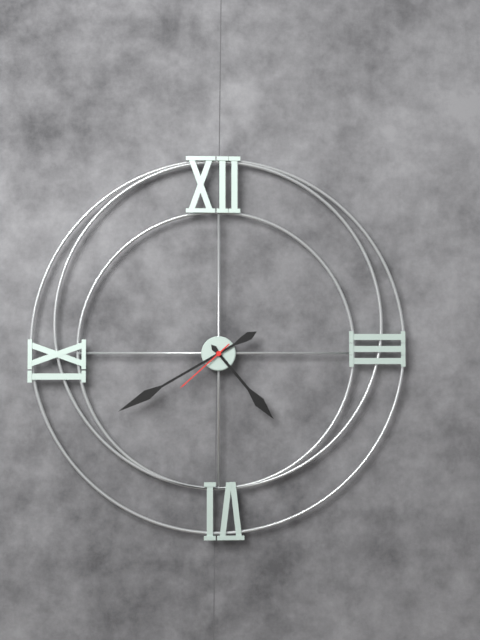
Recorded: h=4 m=40 s=38
